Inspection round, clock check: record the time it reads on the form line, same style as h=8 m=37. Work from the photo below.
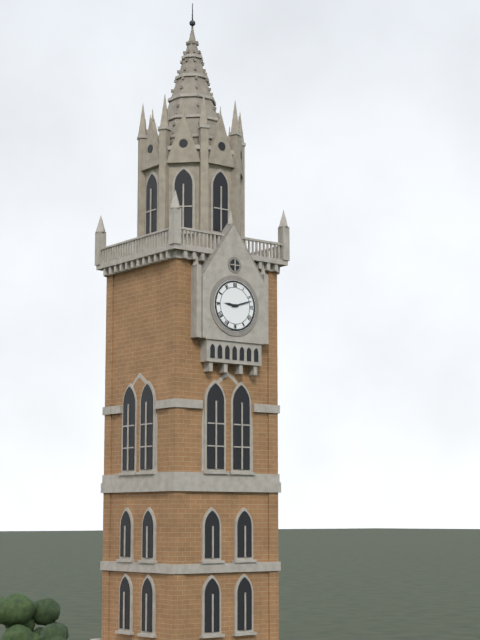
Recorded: h=9 m=12
